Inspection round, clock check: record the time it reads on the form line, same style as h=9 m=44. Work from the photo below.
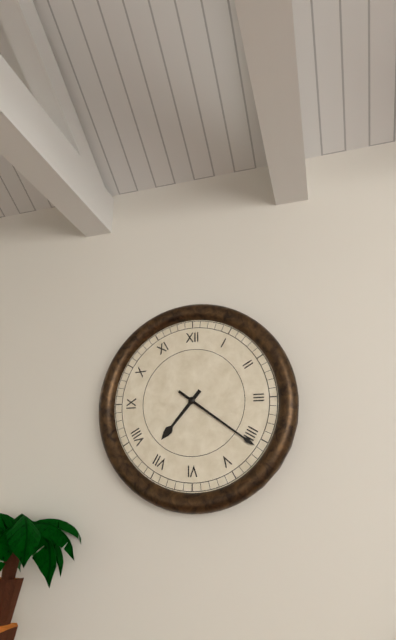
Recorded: h=7 m=21
